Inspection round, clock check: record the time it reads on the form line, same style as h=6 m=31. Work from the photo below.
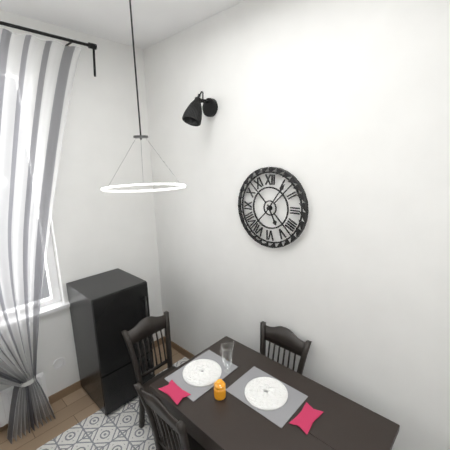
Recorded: h=5 m=6
